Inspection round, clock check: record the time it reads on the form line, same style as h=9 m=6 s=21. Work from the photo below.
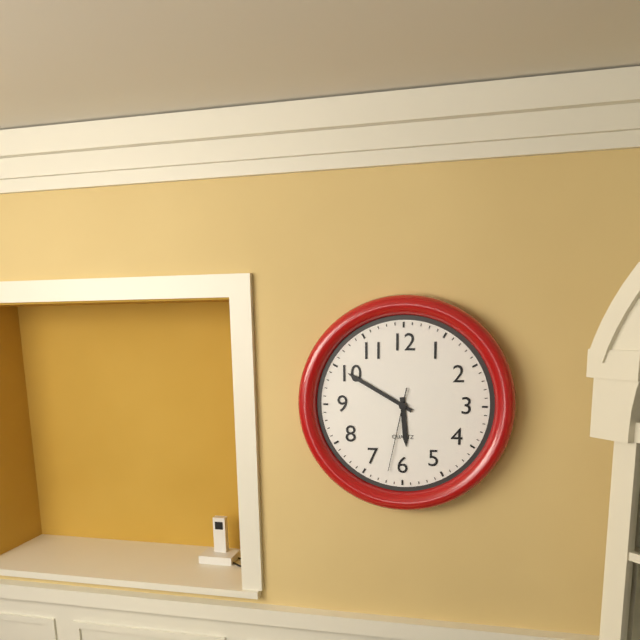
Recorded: h=5 m=50 s=32
